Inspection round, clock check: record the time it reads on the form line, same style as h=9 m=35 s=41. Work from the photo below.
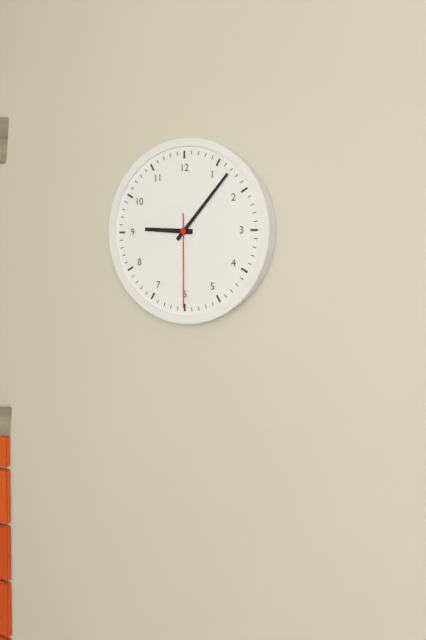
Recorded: h=9 m=7 s=30
